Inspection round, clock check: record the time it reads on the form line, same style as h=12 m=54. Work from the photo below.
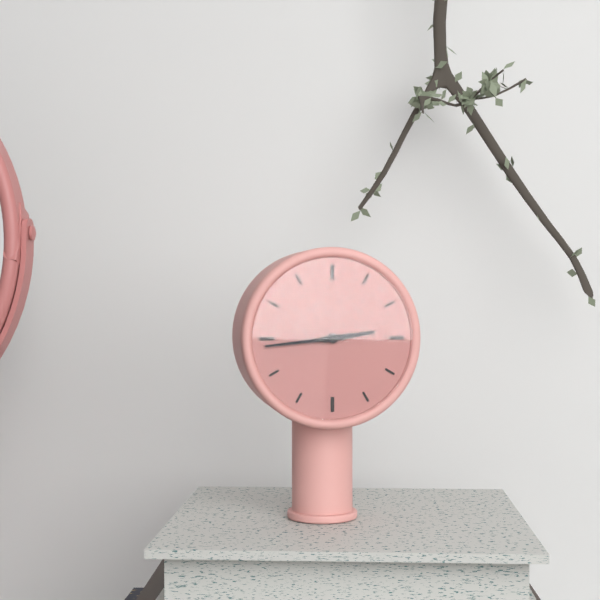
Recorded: h=2 m=44
